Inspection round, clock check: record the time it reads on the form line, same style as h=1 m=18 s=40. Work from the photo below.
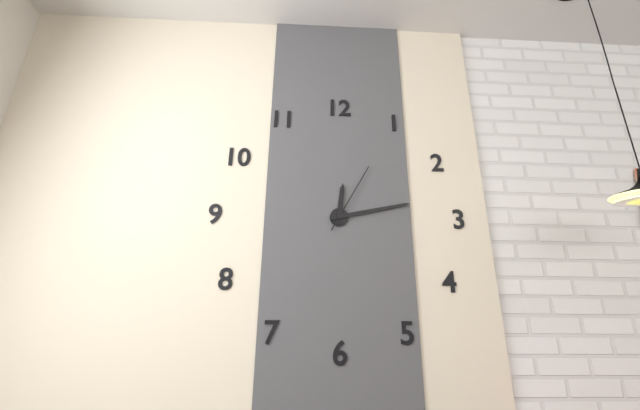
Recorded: h=12 m=13 s=5
